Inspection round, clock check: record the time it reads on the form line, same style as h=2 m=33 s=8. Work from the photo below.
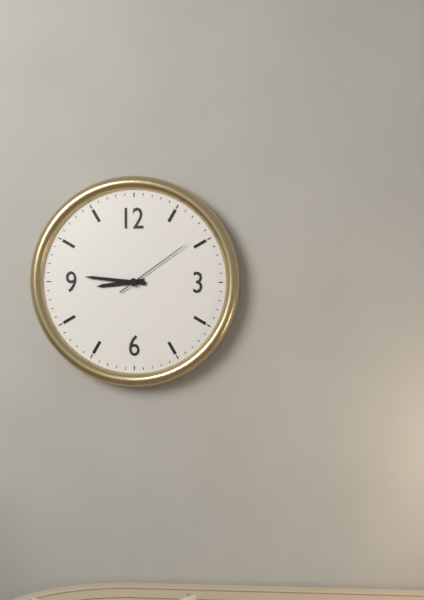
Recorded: h=8 m=46 s=9
